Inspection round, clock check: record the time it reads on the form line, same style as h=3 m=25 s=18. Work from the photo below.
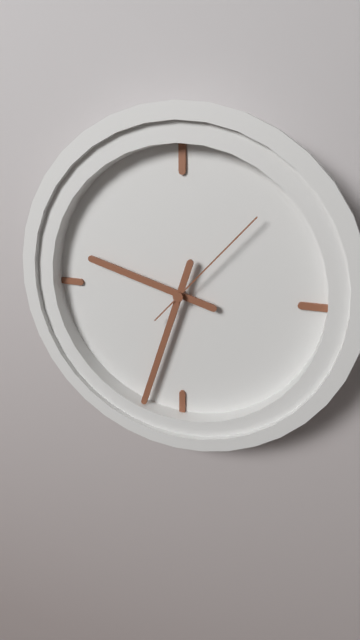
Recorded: h=9 m=33 s=7
